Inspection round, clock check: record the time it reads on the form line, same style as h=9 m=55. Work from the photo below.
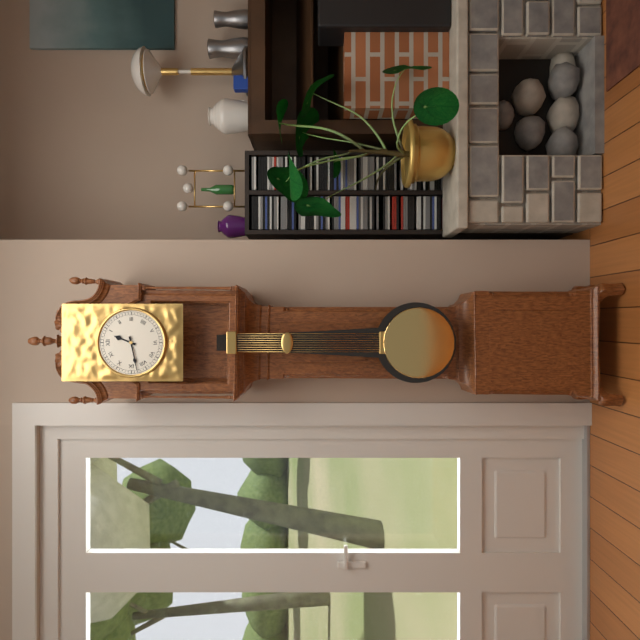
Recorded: h=12 m=43
